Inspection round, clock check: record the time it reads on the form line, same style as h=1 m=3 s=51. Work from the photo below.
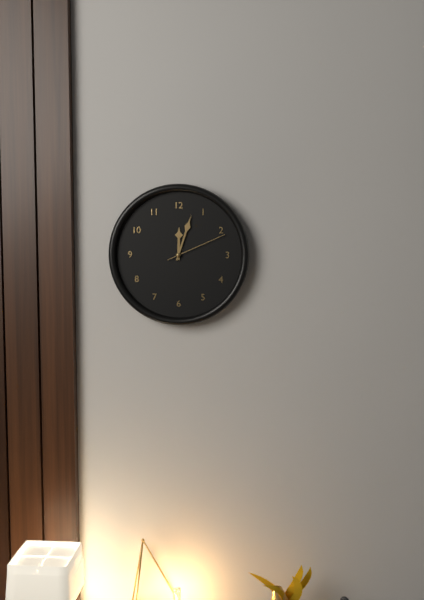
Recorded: h=12 m=3 s=11
